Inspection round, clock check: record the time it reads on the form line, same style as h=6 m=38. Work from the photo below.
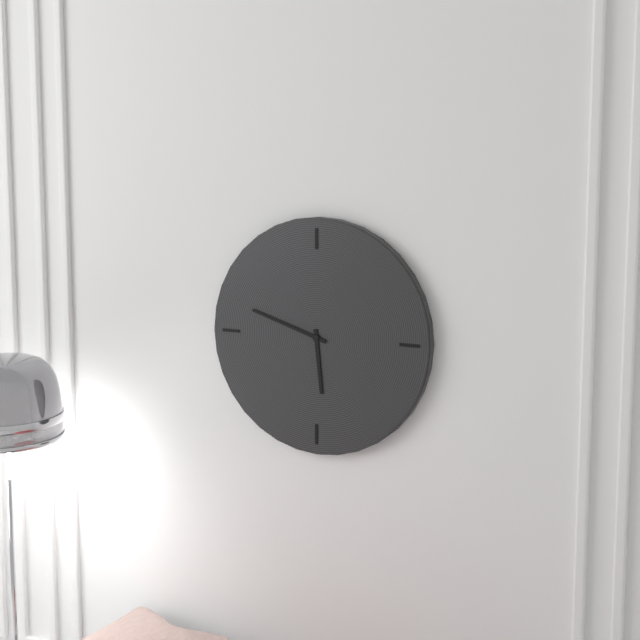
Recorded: h=5 m=48
